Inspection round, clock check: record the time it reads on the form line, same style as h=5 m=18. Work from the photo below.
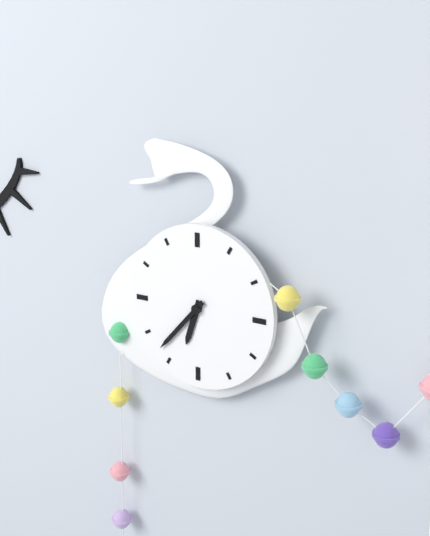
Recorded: h=6 m=37
